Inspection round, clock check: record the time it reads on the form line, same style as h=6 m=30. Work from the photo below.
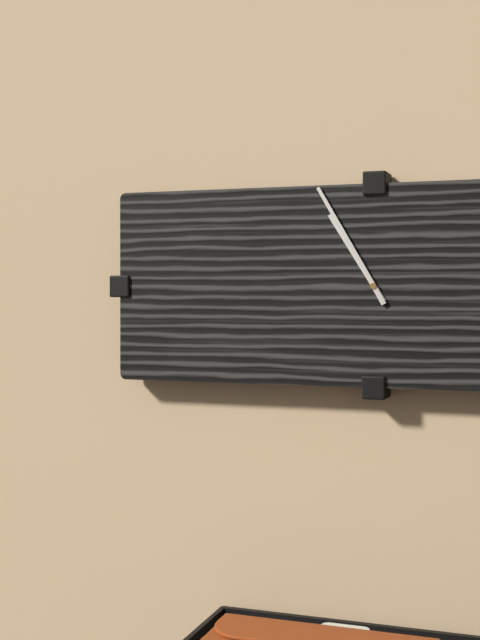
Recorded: h=10 m=55
